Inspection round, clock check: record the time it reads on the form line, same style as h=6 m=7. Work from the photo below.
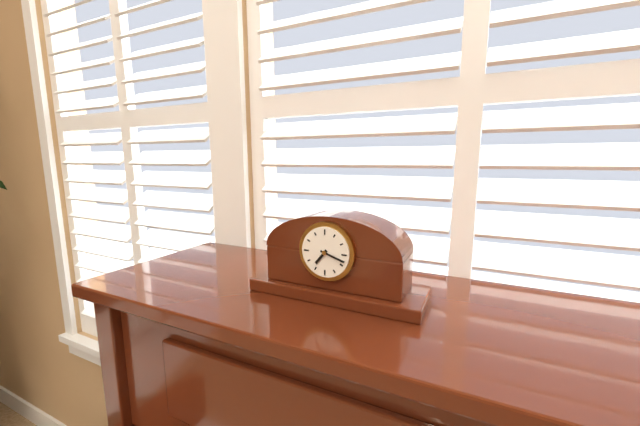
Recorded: h=7 m=18
